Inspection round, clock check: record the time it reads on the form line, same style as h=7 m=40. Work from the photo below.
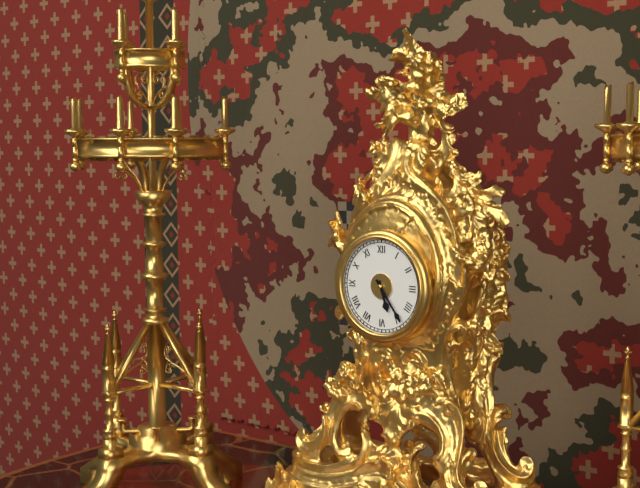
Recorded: h=5 m=24
